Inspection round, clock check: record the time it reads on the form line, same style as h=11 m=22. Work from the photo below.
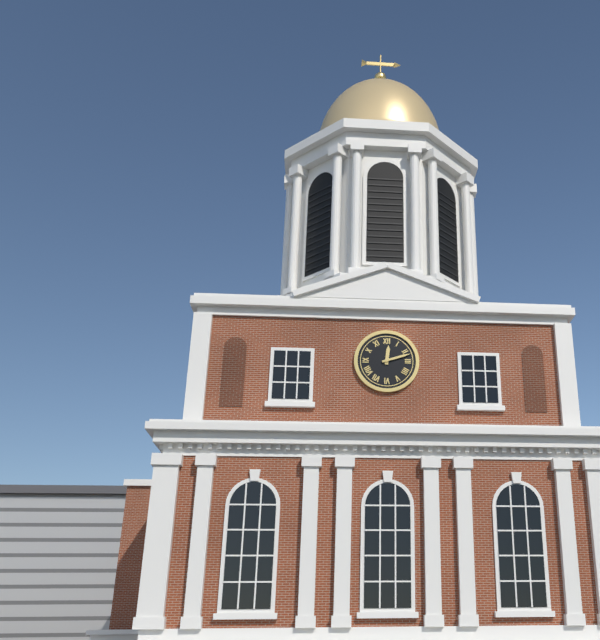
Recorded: h=12 m=12
